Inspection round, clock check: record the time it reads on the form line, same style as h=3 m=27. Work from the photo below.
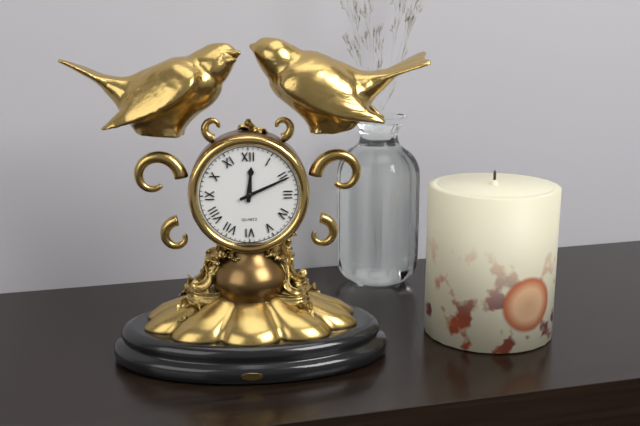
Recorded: h=12 m=11
